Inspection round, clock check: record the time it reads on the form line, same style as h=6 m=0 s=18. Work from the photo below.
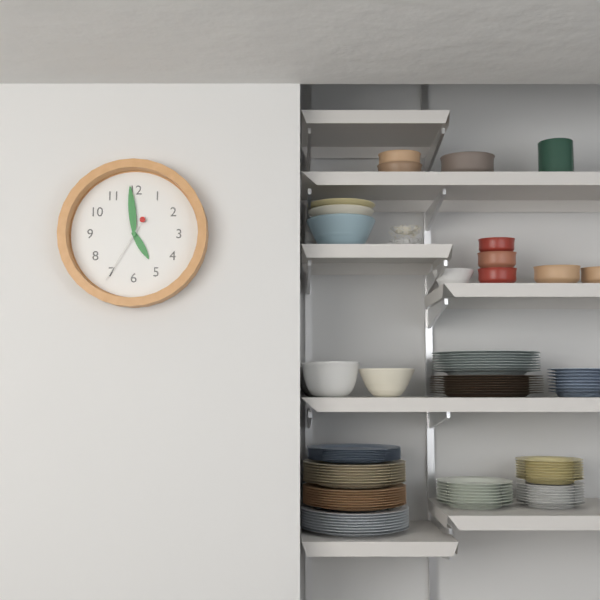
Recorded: h=4 m=59 s=35
